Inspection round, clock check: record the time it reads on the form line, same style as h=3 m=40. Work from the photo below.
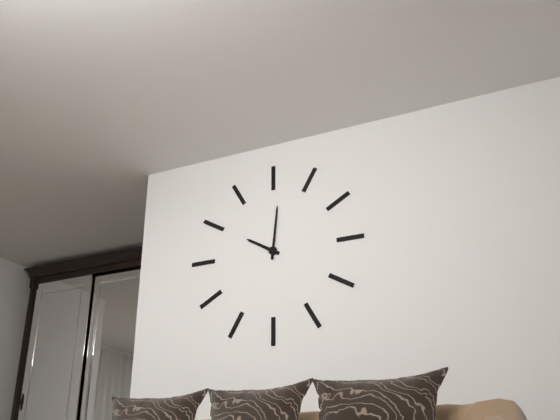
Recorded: h=10 m=1
